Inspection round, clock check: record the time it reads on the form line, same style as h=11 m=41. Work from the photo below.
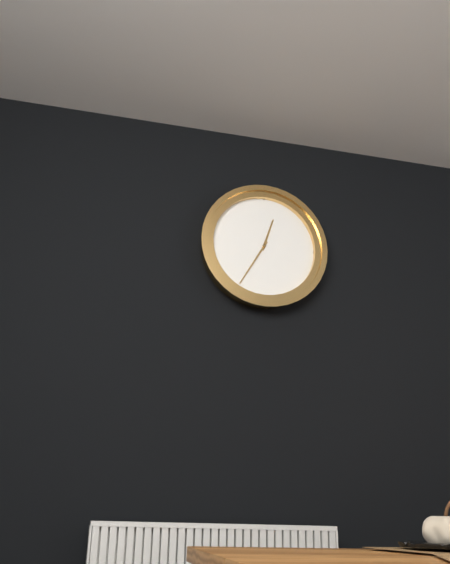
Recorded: h=12 m=35
